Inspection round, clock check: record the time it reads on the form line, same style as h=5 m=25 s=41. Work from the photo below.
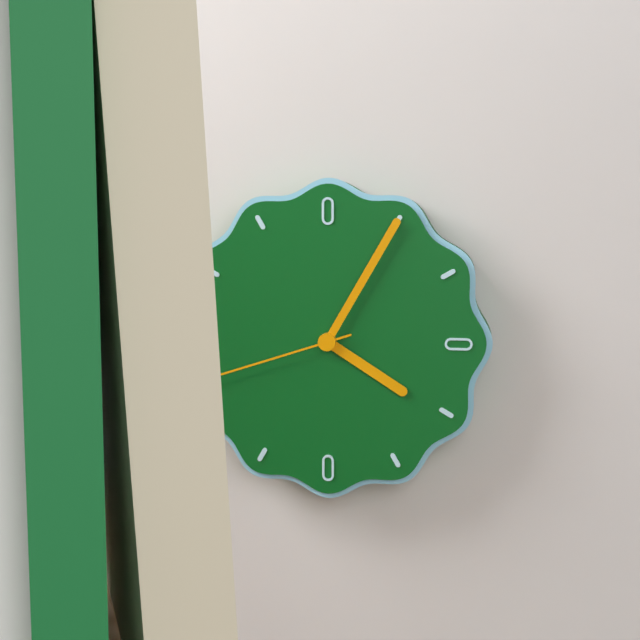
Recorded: h=4 m=5 s=42
